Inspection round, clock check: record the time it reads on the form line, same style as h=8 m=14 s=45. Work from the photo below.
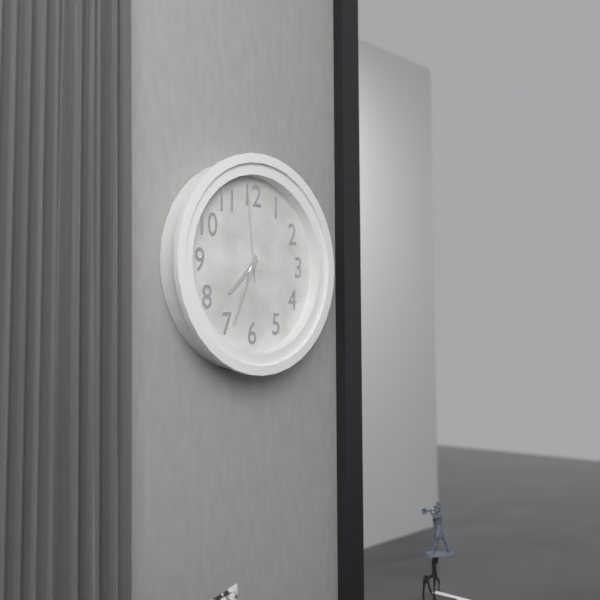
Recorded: h=7 m=34 s=59
